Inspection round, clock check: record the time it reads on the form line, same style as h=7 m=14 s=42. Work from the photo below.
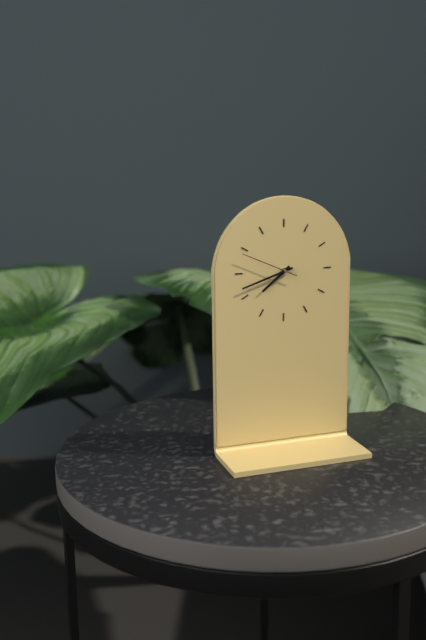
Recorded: h=7 m=42 s=49
